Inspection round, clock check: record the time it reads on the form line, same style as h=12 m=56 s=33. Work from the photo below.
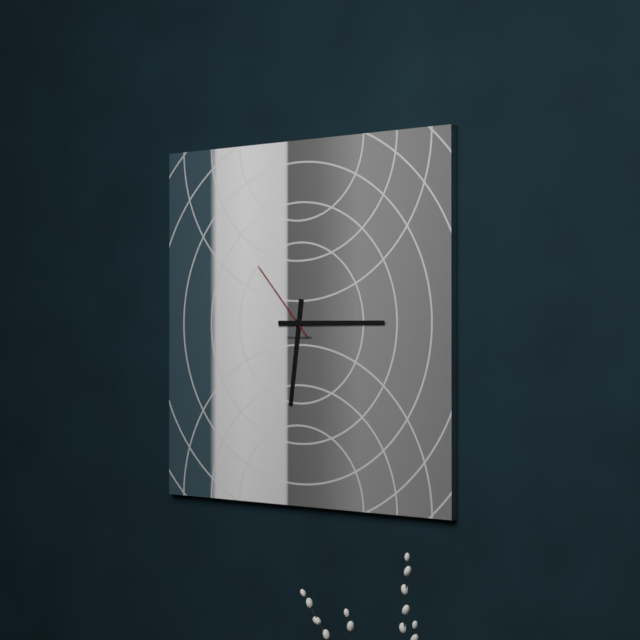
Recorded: h=6 m=15 s=53
